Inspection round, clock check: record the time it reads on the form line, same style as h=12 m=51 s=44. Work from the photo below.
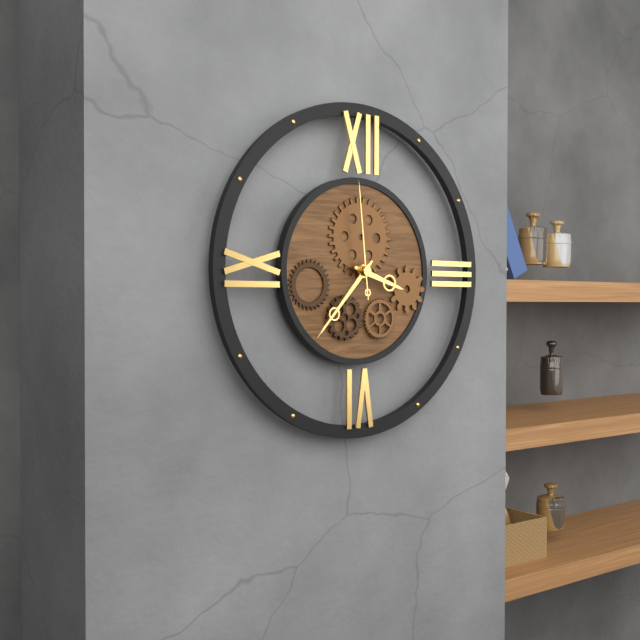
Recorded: h=3 m=37 s=59
